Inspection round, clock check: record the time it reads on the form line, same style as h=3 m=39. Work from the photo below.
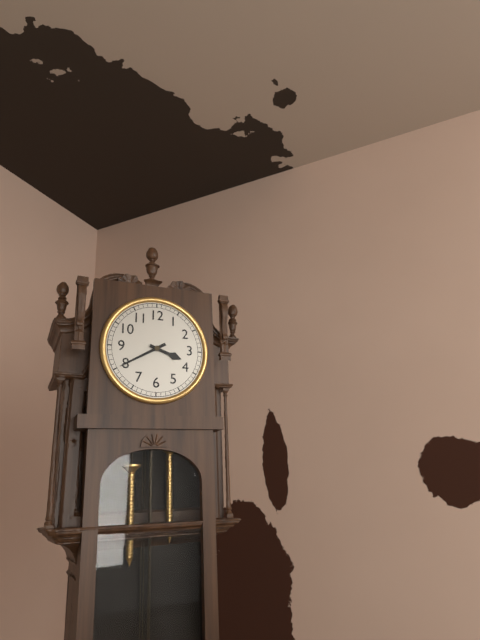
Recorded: h=3 m=40
